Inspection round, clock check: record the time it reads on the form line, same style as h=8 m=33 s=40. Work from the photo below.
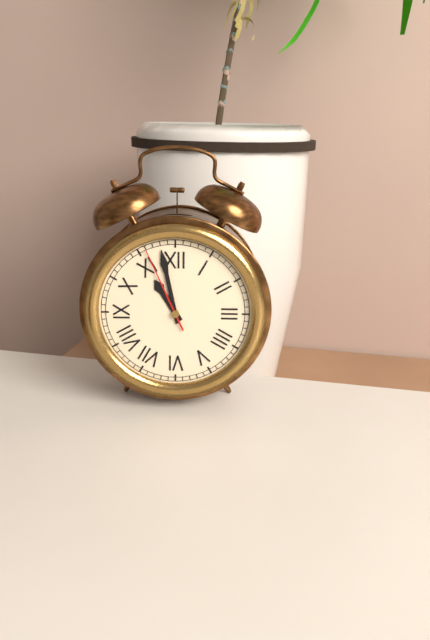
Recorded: h=10 m=58 s=56
